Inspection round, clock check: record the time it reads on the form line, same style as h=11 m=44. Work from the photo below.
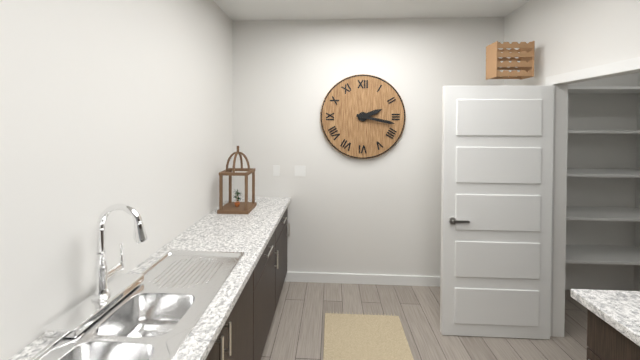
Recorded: h=2 m=17
